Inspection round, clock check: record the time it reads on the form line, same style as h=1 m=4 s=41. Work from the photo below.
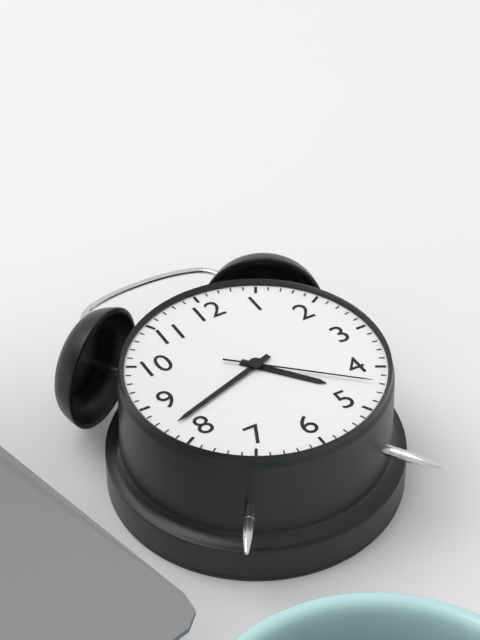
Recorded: h=4 m=42 s=22
